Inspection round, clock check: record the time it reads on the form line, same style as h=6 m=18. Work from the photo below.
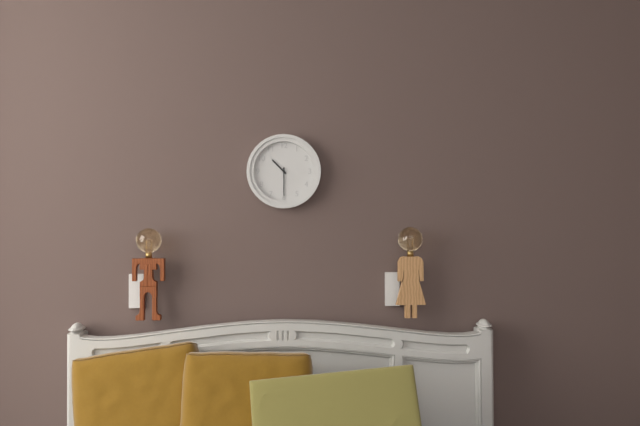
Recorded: h=10 m=30
